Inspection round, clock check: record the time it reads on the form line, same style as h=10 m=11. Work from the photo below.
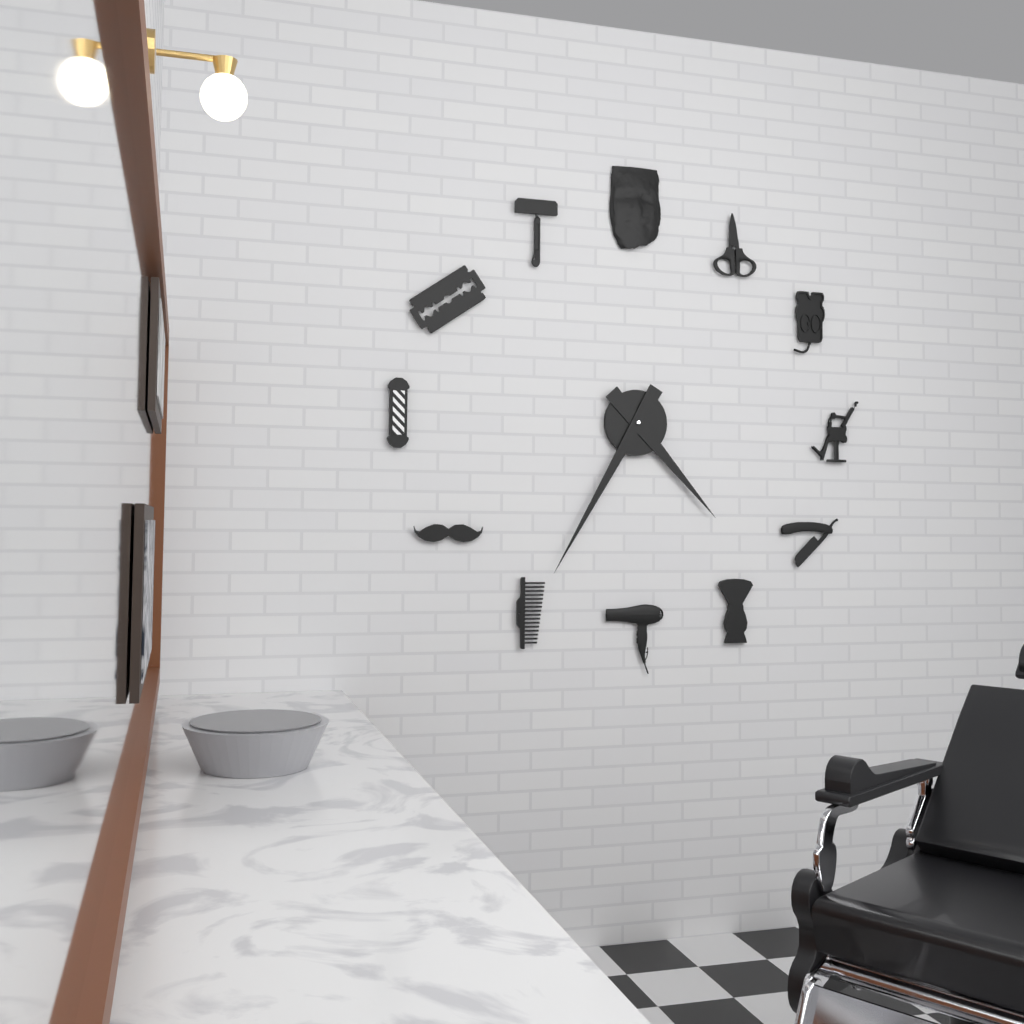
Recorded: h=4 m=35
